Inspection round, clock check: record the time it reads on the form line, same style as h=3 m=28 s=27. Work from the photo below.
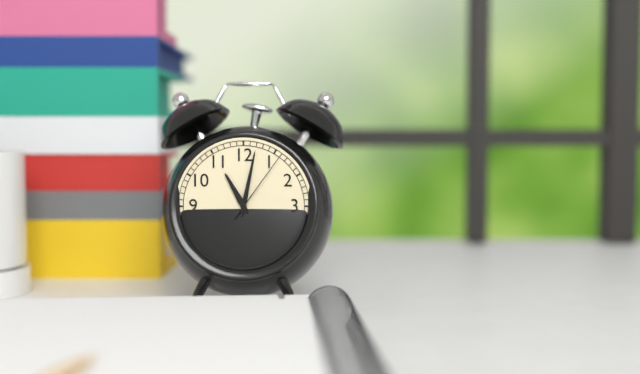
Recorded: h=11 m=2 s=6
